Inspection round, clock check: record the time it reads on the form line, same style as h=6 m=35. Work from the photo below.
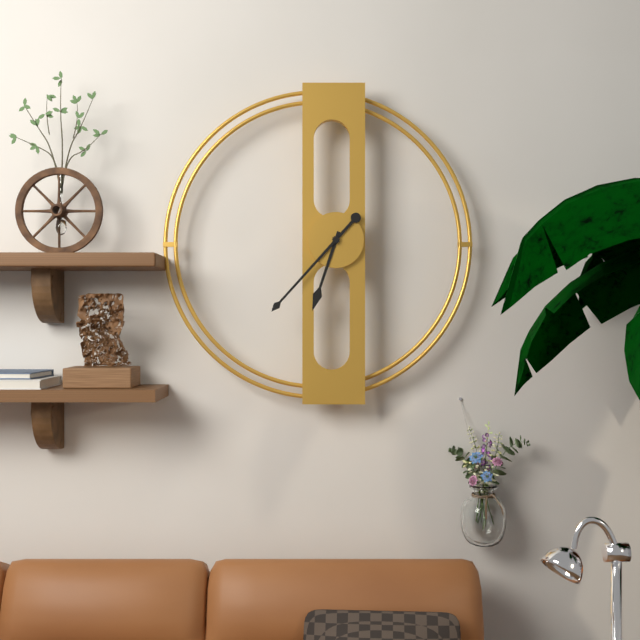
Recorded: h=6 m=37
